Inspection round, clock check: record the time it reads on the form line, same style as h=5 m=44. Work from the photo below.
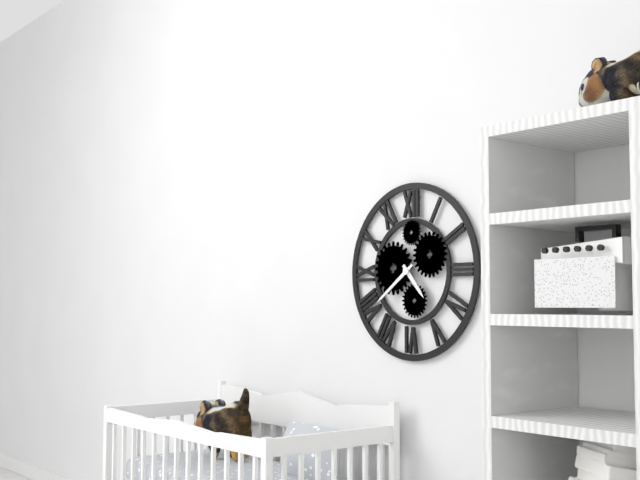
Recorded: h=4 m=39
